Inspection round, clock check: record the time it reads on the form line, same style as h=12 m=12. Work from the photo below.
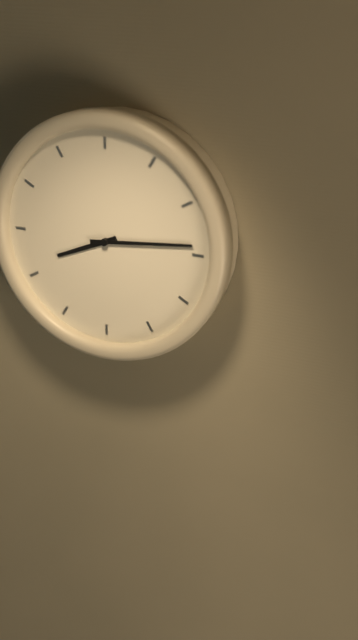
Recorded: h=8 m=14
